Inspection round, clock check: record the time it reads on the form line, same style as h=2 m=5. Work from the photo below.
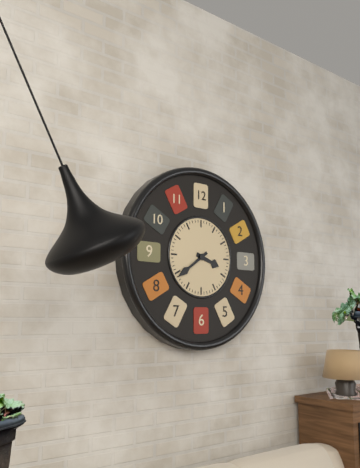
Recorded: h=3 m=39
